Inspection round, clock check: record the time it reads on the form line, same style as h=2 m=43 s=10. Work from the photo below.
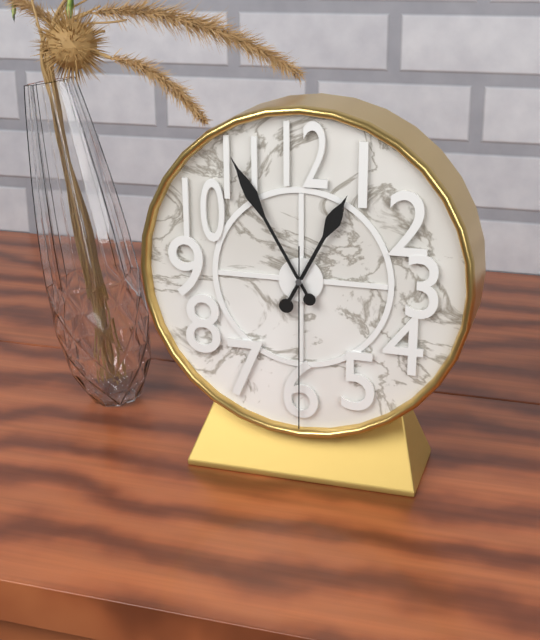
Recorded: h=12 m=55 s=30
